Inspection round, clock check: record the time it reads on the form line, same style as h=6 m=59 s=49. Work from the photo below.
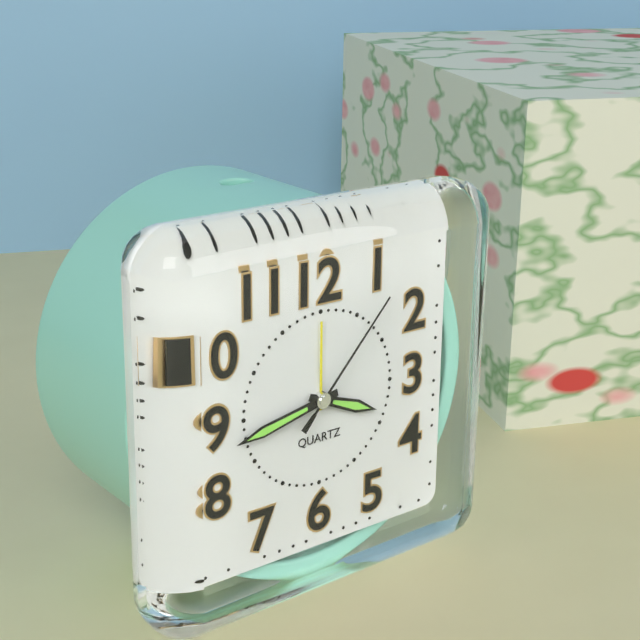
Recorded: h=3 m=43 s=7
